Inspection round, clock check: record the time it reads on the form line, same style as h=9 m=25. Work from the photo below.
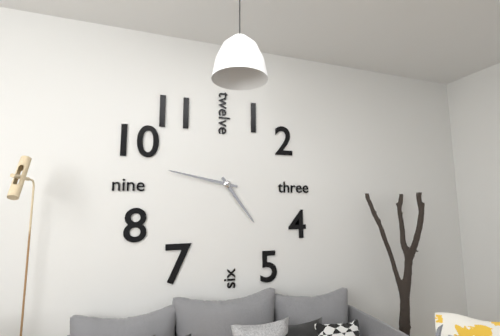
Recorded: h=4 m=47
